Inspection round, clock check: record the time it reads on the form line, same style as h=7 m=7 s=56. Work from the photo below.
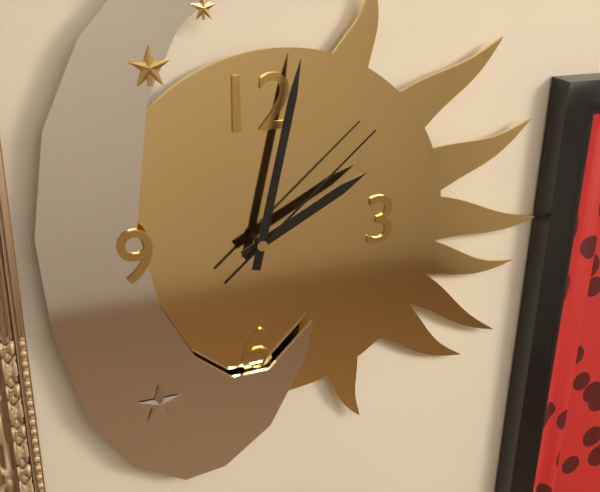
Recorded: h=2 m=2 s=8
